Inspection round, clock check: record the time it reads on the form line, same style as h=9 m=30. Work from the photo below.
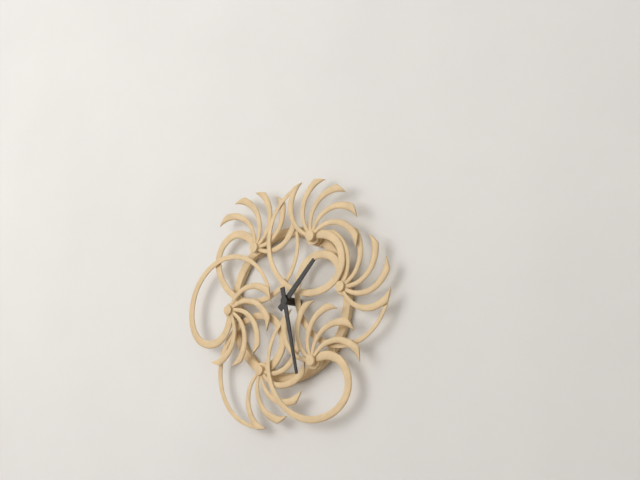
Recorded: h=1 m=28
